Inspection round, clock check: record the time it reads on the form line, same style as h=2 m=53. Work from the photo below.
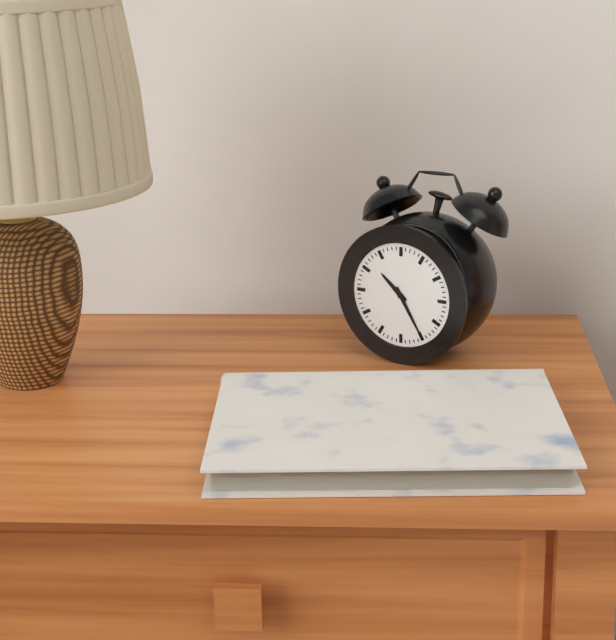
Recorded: h=10 m=25
